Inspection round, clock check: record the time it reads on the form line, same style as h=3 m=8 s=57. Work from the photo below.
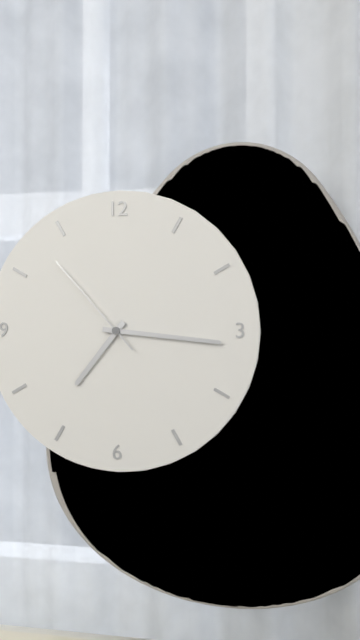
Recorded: h=7 m=16 s=53
